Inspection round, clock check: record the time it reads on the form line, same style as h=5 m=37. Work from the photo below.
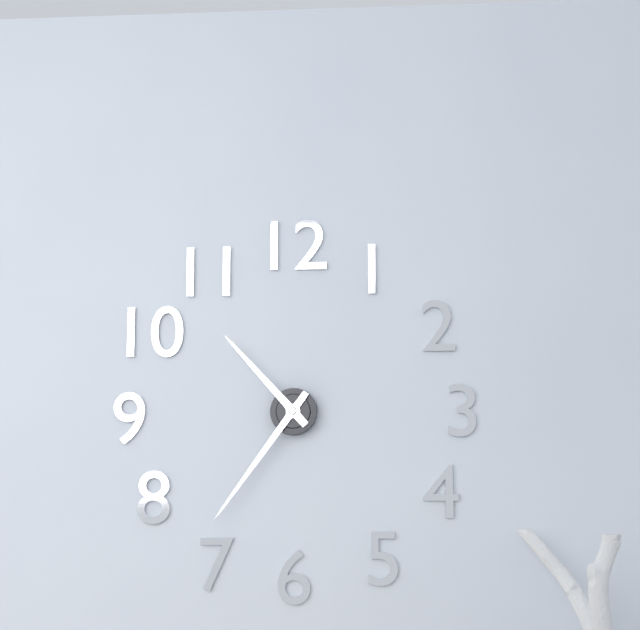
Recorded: h=10 m=36
